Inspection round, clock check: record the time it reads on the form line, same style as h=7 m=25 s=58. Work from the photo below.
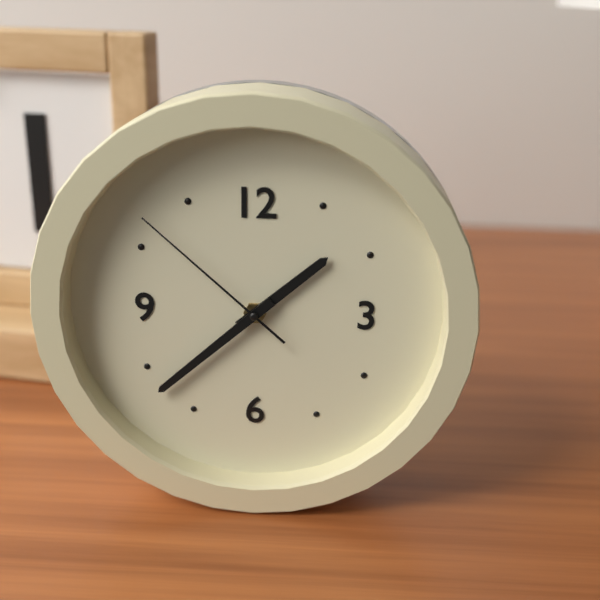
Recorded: h=1 m=38 s=52
